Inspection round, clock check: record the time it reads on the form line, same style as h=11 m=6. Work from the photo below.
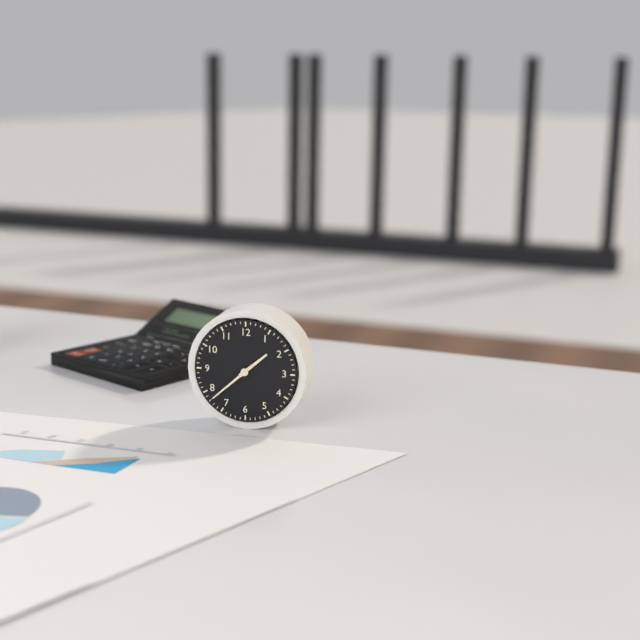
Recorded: h=1 m=38
